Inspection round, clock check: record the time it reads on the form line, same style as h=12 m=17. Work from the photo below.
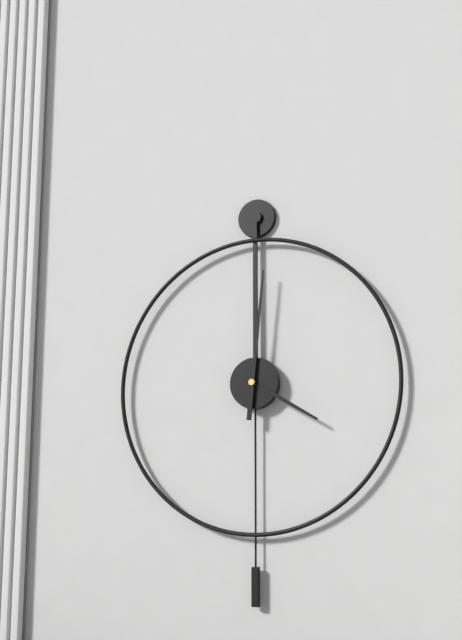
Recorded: h=4 m=1
